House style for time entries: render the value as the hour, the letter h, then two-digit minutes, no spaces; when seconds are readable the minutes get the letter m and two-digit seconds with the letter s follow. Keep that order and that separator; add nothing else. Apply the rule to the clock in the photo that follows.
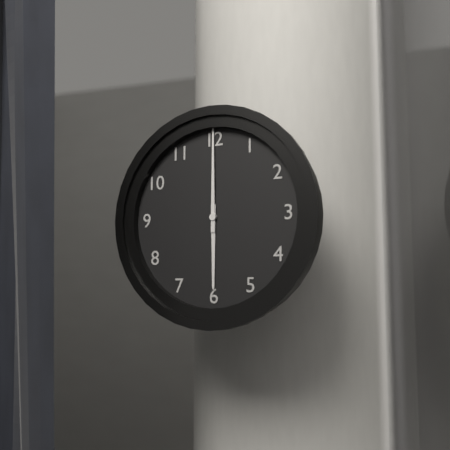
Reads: 6h00
